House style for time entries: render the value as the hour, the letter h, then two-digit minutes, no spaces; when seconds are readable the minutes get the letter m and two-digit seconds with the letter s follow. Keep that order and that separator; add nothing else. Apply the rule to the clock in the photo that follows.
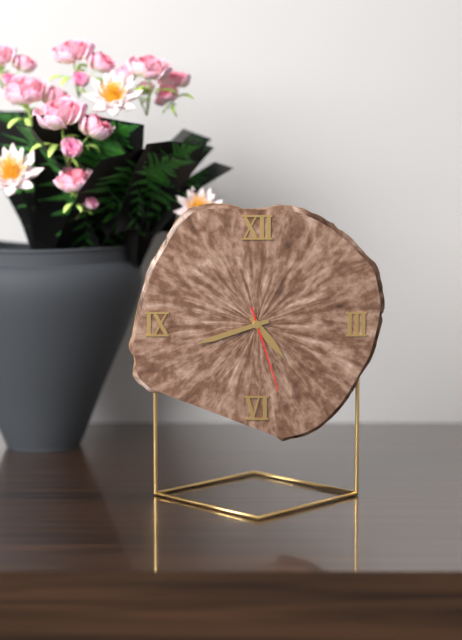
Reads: 4h42m27s
